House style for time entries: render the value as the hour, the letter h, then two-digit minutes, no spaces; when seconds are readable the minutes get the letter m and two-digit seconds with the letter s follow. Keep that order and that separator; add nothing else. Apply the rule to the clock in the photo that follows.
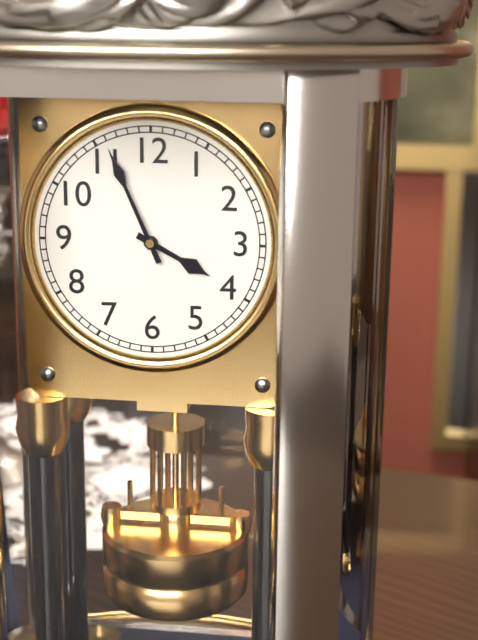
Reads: 3h56
